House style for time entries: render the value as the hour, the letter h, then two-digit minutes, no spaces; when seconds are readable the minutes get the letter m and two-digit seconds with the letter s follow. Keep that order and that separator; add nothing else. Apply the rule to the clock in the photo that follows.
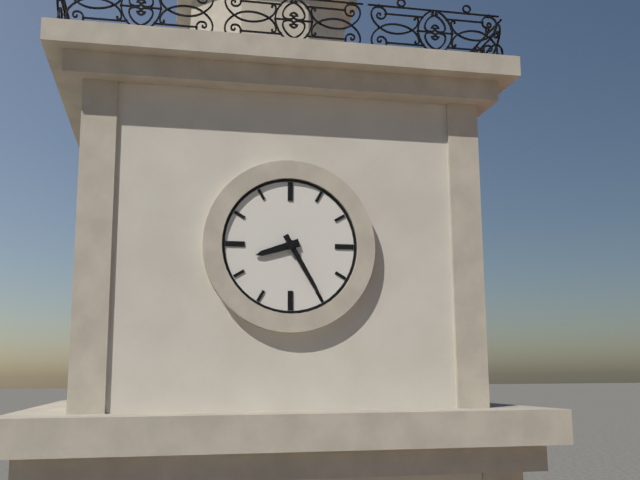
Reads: 8h25
